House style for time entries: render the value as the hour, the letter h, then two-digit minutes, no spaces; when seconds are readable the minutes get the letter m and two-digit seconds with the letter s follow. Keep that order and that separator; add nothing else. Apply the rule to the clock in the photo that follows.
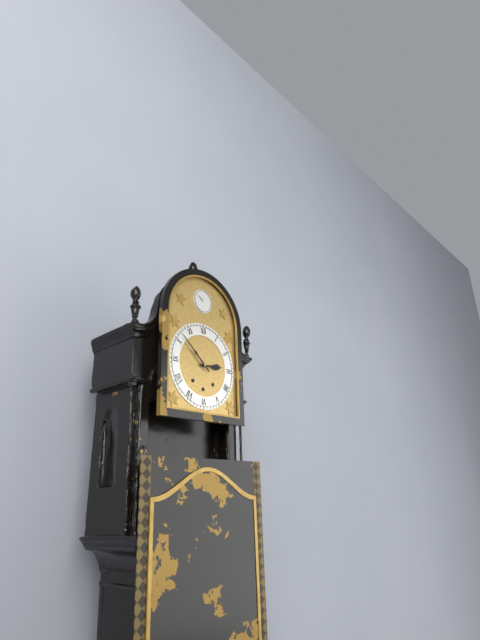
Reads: 2h52
